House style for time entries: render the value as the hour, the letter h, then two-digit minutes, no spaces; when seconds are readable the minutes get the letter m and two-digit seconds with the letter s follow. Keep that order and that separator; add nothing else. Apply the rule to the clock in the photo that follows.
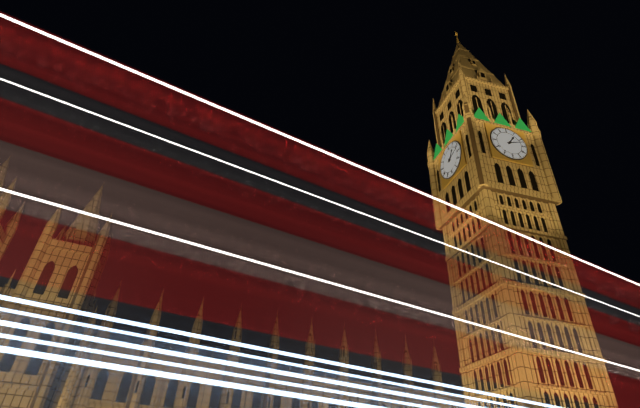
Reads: 1h12
